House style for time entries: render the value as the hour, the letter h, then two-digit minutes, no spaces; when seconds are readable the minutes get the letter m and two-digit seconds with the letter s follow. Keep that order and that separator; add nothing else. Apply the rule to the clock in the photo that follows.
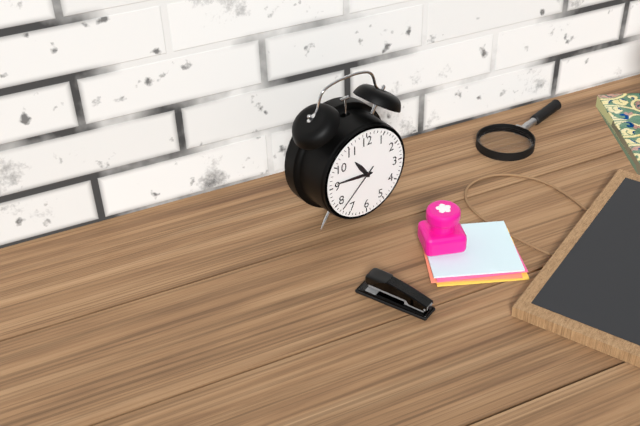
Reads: 10h46m38s
